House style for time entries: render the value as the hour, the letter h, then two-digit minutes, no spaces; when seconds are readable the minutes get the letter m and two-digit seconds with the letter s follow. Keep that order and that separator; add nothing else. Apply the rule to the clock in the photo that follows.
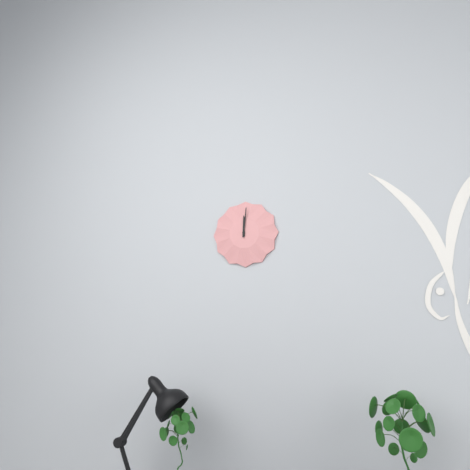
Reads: 12h01
